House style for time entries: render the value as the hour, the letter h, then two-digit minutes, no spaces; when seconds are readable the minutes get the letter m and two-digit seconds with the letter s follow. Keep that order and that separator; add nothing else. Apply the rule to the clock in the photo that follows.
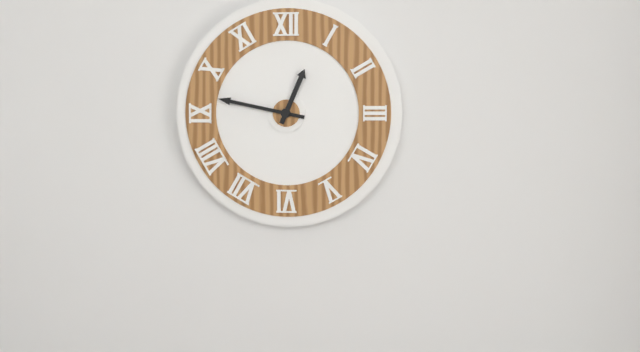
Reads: 12h47
